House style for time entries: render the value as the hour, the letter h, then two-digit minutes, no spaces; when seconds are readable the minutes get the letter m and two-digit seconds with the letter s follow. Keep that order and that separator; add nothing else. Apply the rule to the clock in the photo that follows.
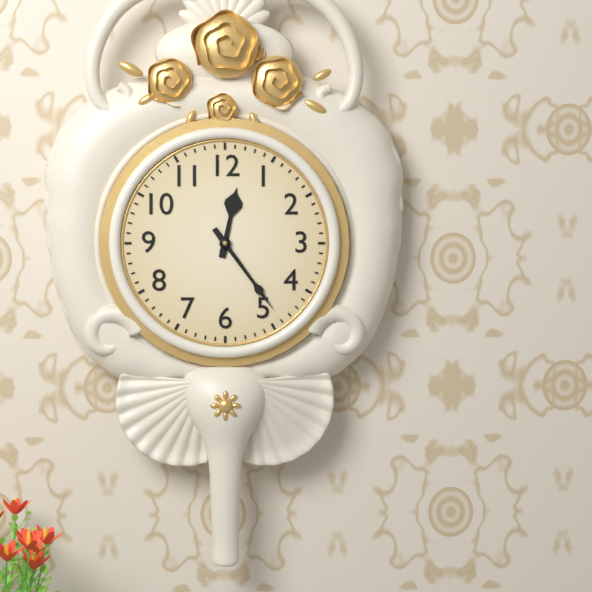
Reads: 12h24
